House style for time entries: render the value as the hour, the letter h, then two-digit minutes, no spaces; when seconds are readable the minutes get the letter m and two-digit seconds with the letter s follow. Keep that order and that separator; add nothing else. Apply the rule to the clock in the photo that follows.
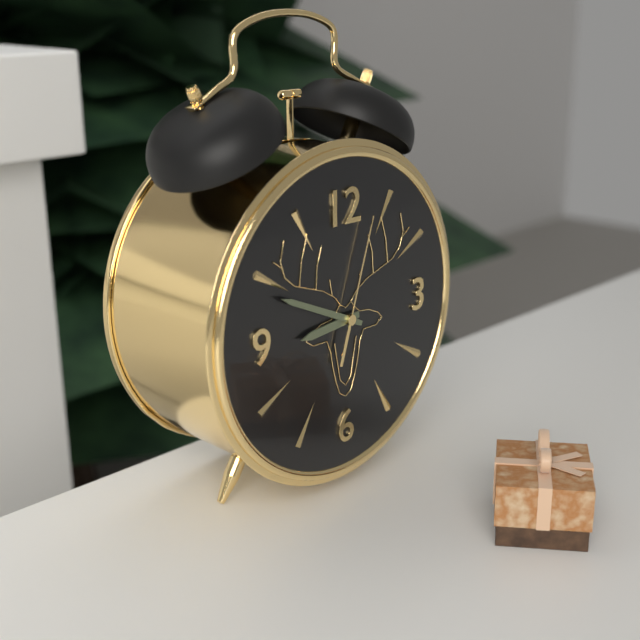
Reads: 8h49m03s
